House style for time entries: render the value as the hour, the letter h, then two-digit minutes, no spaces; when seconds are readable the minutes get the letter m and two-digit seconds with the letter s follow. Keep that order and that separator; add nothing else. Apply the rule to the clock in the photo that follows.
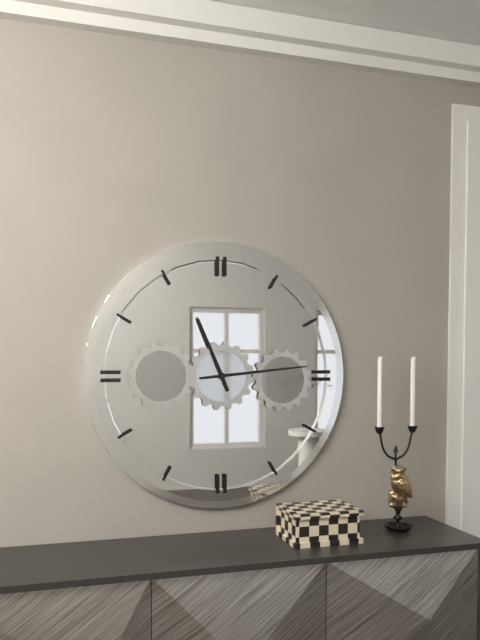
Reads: 11h14
